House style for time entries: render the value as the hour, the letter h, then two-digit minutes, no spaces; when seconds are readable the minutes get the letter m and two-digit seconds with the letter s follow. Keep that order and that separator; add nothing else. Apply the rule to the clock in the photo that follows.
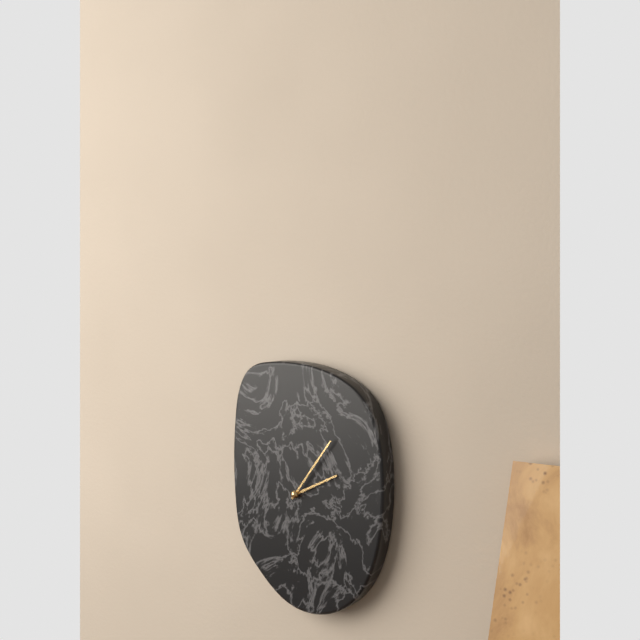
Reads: 2h06
